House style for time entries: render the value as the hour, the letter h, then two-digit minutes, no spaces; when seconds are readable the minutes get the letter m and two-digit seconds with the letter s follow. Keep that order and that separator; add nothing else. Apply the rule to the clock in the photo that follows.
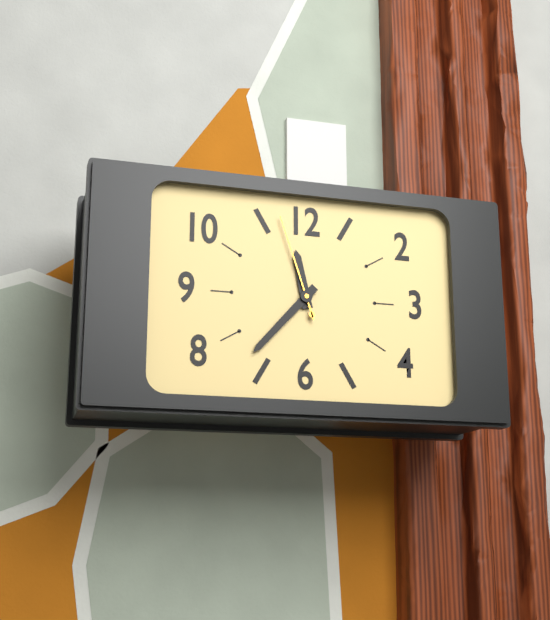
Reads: 11h37m57s
